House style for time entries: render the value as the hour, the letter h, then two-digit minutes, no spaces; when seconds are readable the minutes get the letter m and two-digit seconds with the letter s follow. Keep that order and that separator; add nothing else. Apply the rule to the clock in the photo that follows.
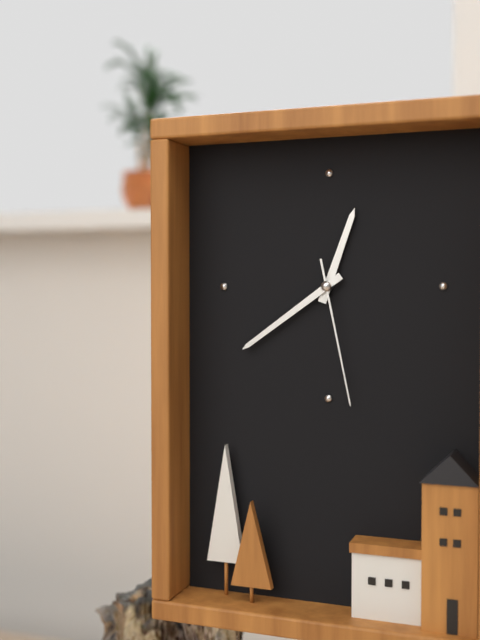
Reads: 12h39m28s
